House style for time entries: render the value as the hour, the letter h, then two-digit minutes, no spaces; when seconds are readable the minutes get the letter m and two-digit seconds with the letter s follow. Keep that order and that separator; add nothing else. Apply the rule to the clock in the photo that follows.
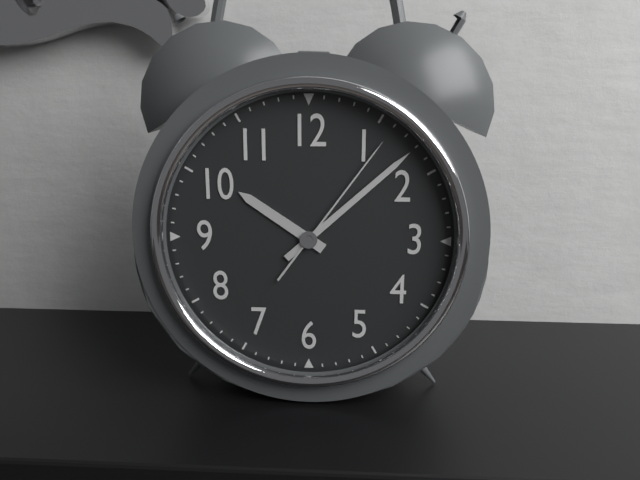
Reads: 10h08m06s
